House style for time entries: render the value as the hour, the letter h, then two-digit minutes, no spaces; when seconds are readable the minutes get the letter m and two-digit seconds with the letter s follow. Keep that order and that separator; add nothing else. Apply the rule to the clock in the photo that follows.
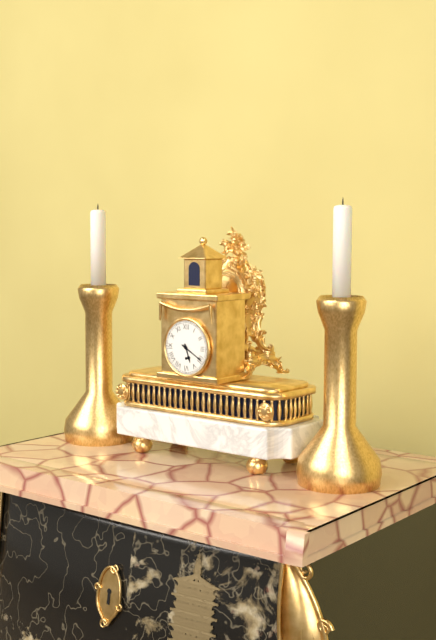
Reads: 5h20
